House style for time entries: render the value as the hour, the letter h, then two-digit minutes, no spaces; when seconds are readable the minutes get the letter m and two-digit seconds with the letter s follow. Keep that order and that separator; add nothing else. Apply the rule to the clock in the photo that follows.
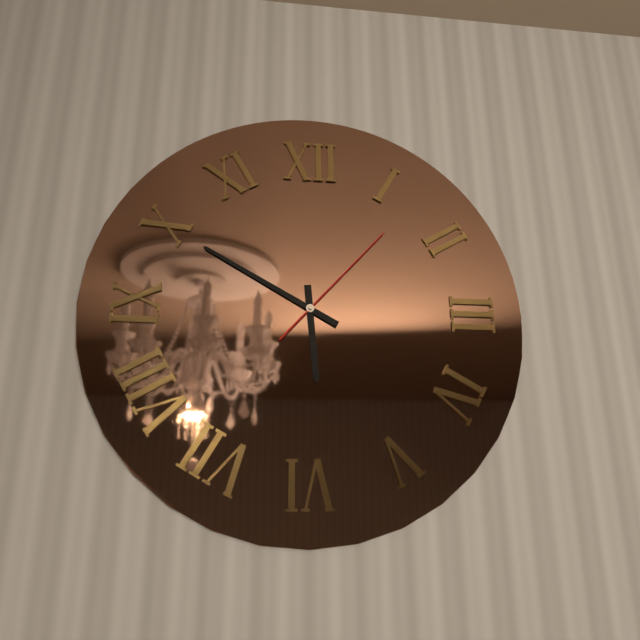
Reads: 5h50m07s
